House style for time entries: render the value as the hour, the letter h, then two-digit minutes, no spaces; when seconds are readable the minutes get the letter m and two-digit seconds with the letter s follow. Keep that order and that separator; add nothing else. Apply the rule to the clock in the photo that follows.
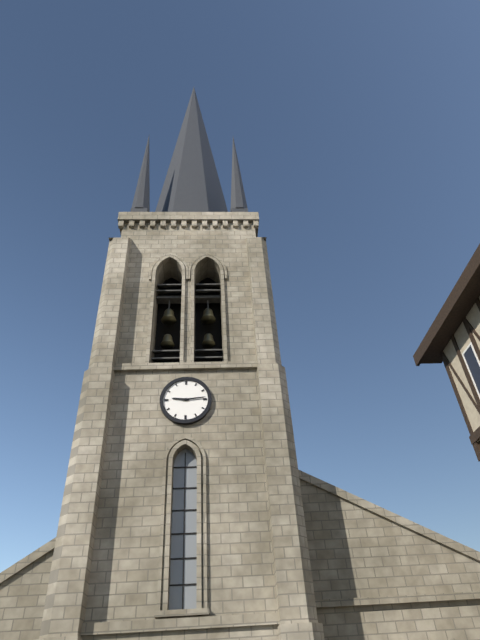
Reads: 9h14
